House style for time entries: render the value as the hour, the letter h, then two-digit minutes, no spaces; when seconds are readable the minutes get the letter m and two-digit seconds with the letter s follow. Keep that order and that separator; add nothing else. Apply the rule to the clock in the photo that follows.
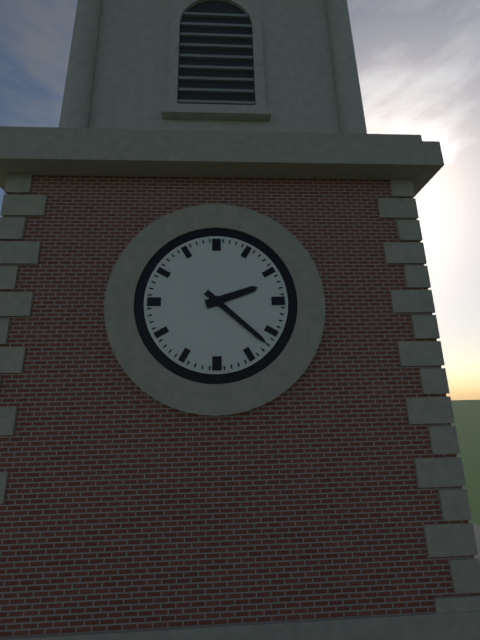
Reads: 2h22
